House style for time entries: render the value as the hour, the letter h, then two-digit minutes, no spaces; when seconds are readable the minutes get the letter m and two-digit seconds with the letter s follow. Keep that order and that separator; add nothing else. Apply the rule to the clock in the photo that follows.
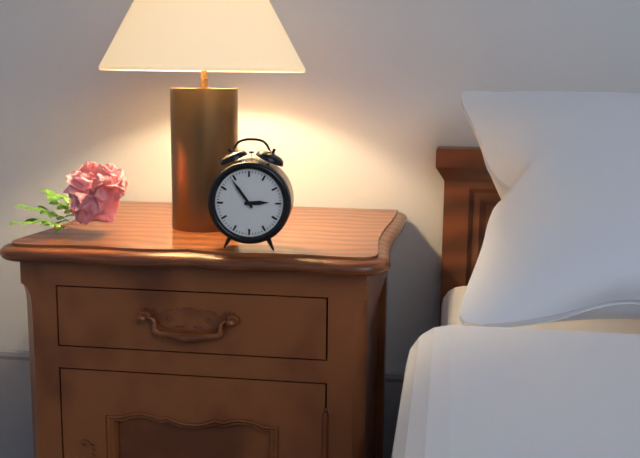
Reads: 2h54
